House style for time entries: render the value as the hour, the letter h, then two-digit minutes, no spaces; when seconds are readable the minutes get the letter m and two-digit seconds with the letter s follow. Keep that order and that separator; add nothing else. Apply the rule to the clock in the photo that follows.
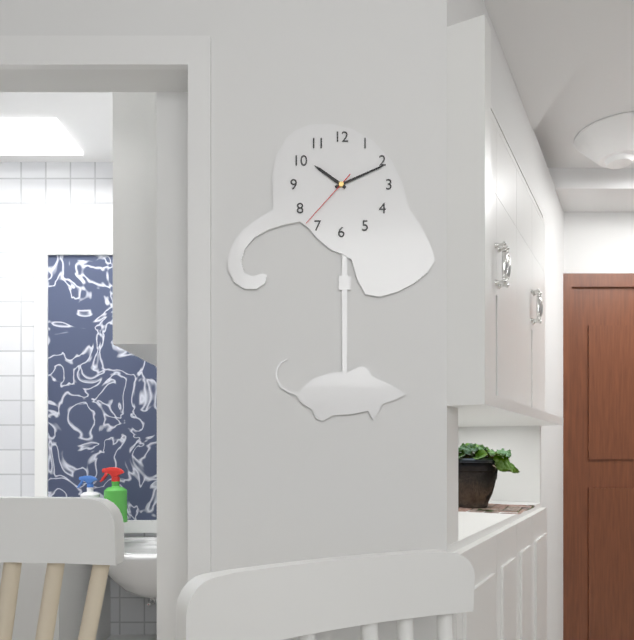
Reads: 10h11m37s
